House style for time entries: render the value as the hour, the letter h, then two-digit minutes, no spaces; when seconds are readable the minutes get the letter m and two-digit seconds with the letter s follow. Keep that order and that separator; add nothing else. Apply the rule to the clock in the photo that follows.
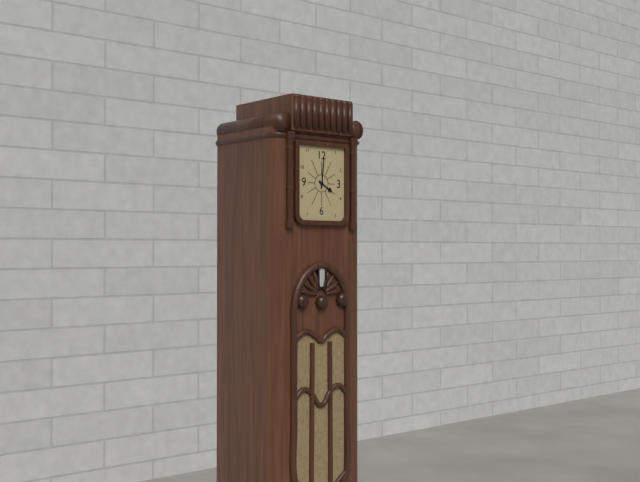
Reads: 4h01
